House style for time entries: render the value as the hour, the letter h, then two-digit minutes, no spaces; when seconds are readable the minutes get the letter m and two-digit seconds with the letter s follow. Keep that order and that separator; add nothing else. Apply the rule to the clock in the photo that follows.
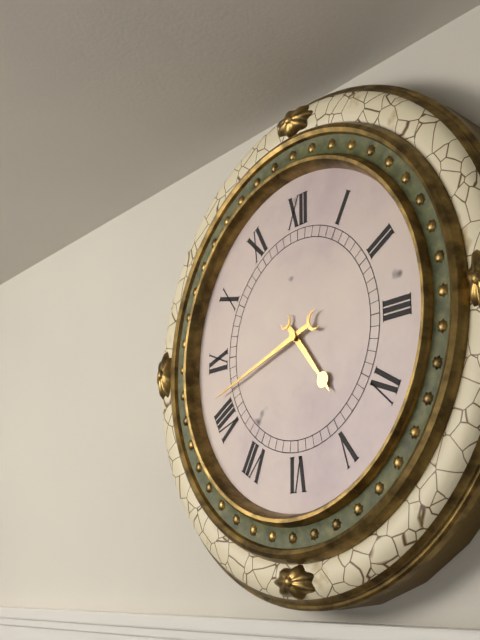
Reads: 4h42
